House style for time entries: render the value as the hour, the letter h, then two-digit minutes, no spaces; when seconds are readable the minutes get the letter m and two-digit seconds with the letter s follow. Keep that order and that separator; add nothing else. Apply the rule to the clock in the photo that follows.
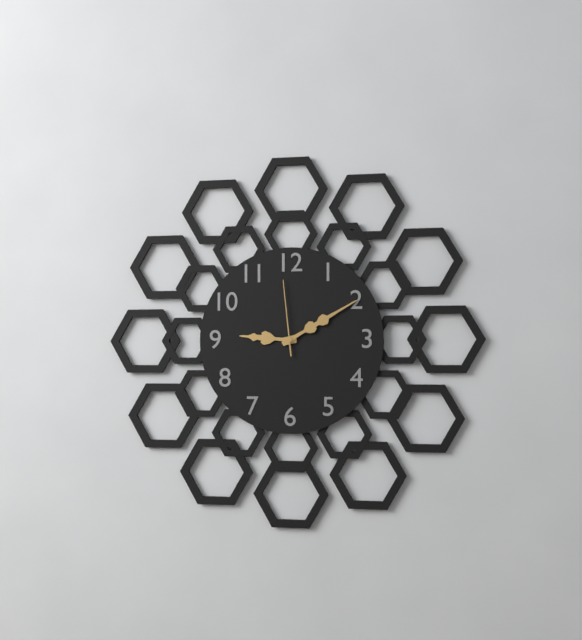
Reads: 9h10m59s
